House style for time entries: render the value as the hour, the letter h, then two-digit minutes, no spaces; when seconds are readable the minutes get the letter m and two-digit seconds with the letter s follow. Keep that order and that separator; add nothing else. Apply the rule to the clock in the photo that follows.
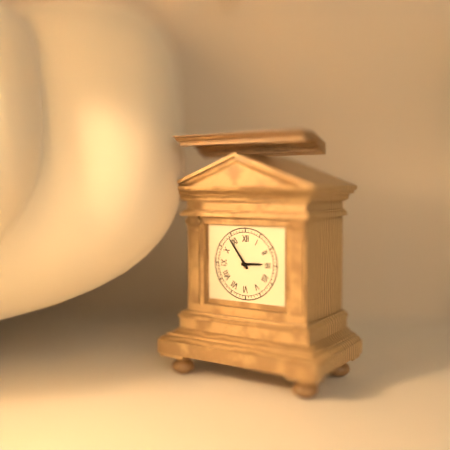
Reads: 2h54
